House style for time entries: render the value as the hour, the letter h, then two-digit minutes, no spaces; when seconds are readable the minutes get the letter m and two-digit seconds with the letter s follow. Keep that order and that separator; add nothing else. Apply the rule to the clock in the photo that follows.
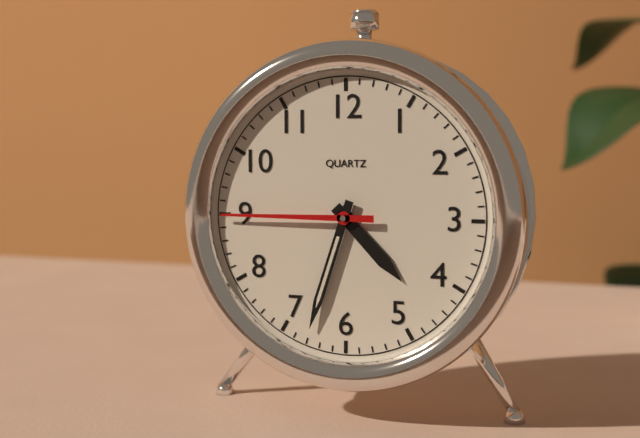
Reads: 4h33m45s
